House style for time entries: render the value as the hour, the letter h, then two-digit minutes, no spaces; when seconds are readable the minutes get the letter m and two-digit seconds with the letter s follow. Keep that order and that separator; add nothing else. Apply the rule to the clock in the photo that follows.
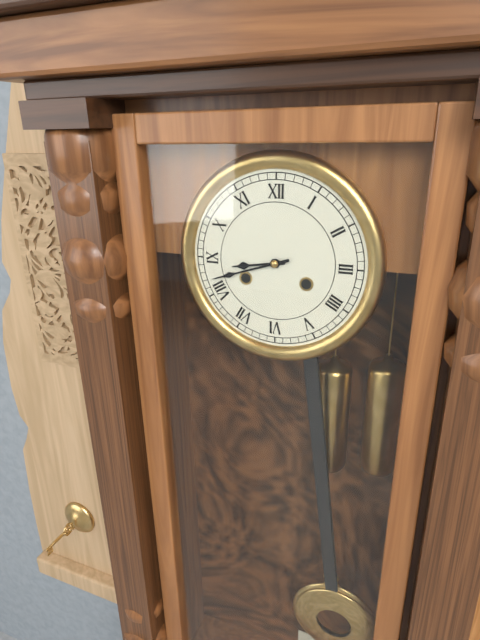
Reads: 8h42
